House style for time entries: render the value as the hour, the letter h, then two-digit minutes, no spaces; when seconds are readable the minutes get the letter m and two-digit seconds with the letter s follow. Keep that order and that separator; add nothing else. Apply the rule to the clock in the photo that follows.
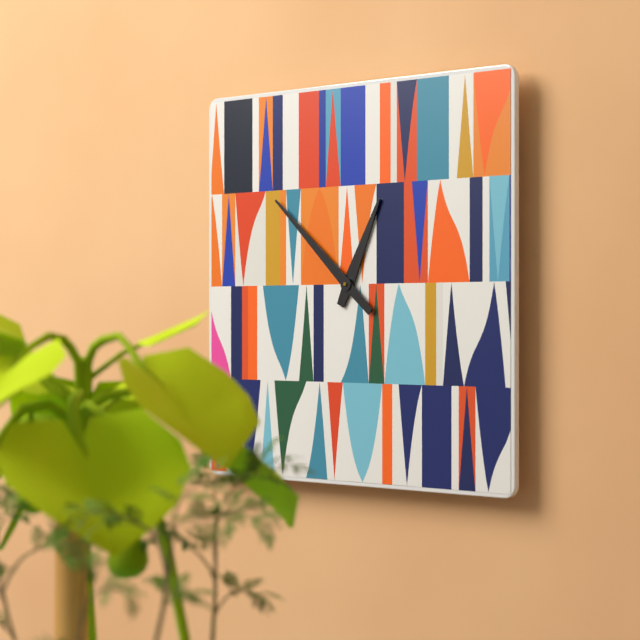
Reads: 12h52
